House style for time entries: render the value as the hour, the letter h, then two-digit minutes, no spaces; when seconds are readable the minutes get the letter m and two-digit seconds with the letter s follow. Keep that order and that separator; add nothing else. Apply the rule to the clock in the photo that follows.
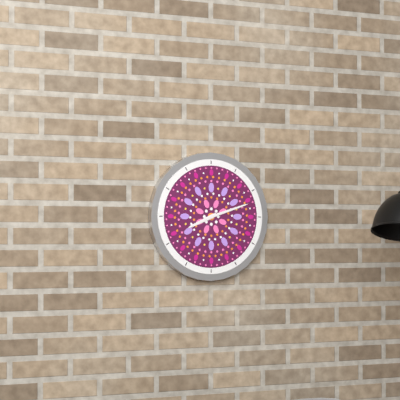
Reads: 8h12
